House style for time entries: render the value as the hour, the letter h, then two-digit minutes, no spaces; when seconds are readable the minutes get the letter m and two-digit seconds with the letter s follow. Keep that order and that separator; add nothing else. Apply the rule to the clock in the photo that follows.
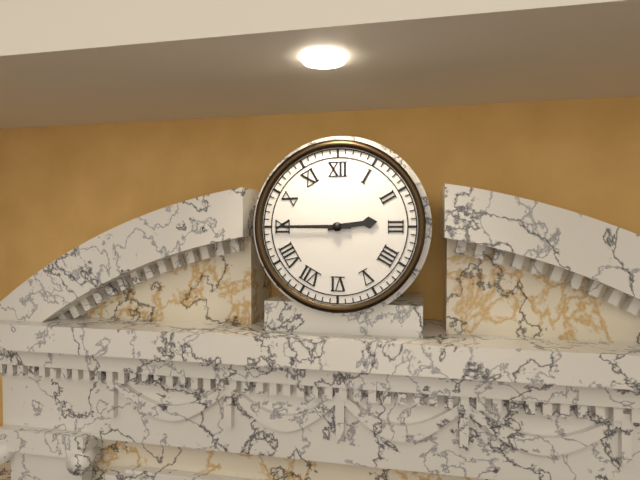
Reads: 2h45
